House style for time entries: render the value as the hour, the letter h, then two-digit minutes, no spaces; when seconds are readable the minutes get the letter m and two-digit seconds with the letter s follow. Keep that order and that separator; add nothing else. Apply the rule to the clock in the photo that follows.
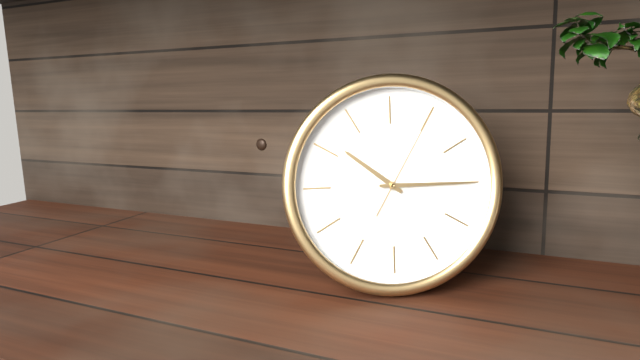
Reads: 10h15m05s
